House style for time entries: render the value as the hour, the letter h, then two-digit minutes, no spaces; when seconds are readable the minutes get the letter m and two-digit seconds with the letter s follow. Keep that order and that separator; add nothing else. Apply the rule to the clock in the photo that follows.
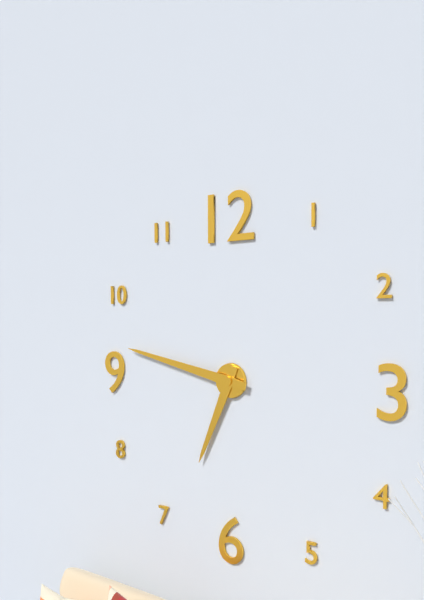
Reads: 6h47
